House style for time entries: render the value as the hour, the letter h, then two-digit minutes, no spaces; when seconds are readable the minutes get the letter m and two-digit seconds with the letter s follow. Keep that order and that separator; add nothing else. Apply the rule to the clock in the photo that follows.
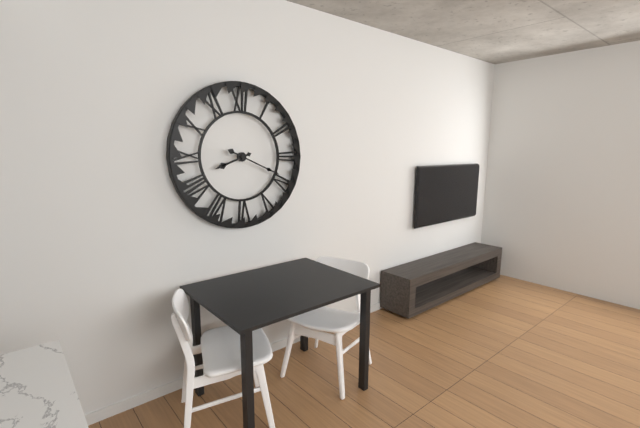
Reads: 8h19
